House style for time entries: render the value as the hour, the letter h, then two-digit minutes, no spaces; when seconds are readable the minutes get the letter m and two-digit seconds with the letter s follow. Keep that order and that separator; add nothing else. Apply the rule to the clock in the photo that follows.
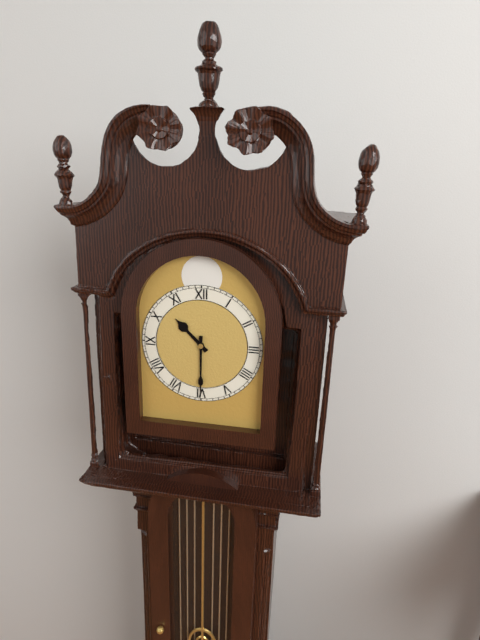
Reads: 10h30
